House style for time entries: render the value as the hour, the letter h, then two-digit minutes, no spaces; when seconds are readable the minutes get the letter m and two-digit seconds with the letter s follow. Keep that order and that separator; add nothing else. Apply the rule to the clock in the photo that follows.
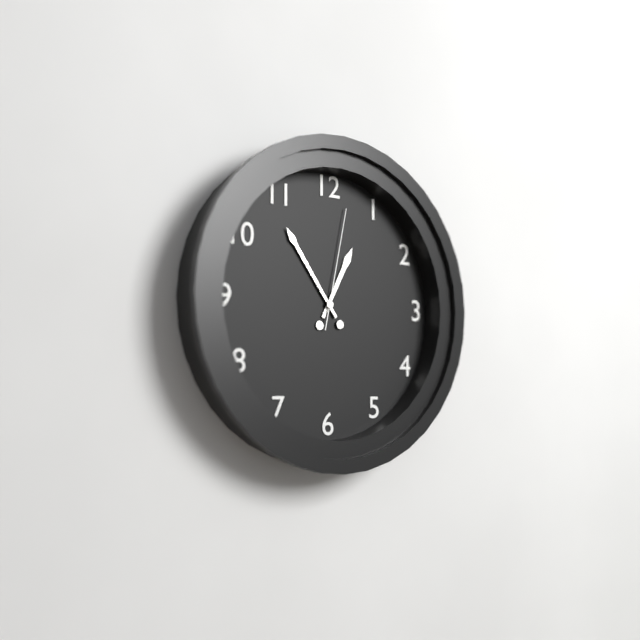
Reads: 12h54m02s
